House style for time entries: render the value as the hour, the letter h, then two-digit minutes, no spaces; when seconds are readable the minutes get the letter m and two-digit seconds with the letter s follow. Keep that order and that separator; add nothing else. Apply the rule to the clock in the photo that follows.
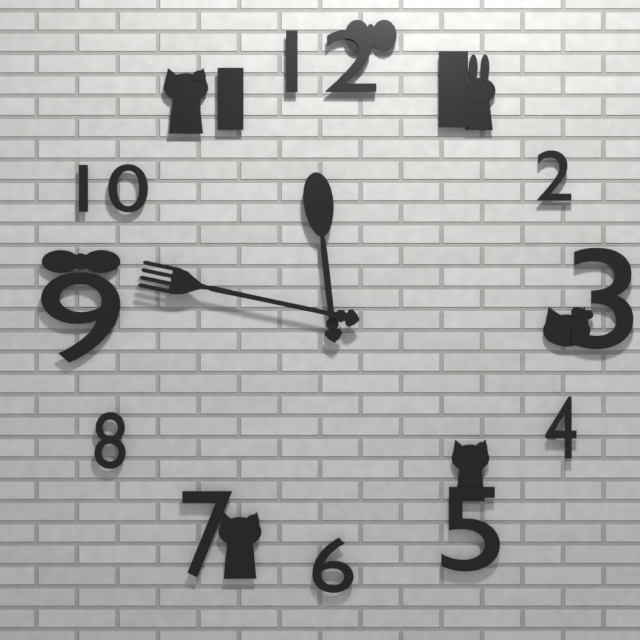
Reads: 11h47
